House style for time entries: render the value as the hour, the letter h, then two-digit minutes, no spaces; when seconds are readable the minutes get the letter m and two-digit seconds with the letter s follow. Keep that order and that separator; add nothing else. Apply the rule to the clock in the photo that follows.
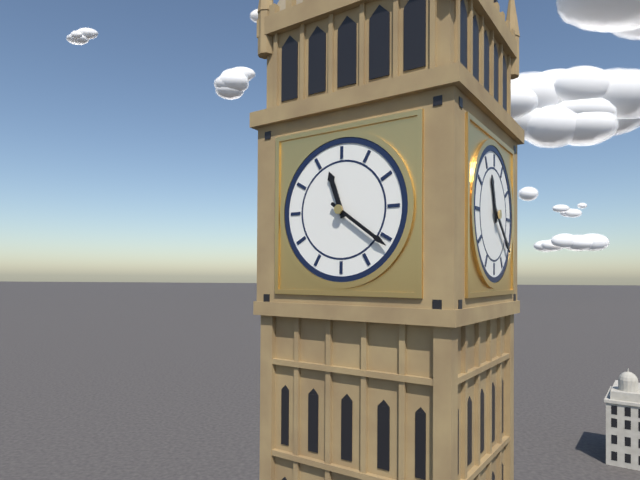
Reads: 11h21
